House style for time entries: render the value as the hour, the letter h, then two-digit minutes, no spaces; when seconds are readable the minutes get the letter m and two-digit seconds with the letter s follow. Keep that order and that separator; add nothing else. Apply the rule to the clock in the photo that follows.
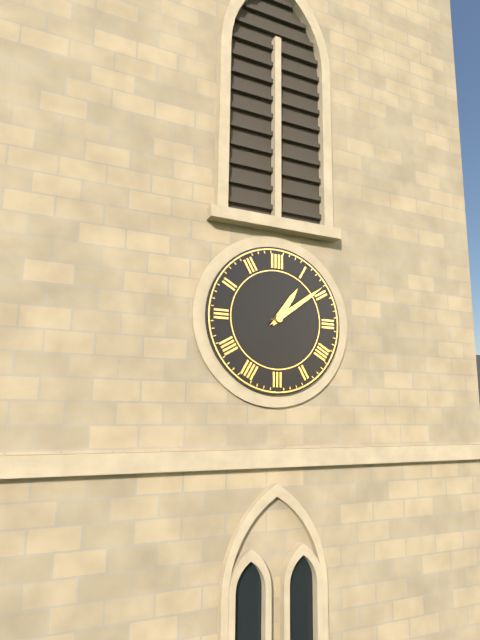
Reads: 1h09
